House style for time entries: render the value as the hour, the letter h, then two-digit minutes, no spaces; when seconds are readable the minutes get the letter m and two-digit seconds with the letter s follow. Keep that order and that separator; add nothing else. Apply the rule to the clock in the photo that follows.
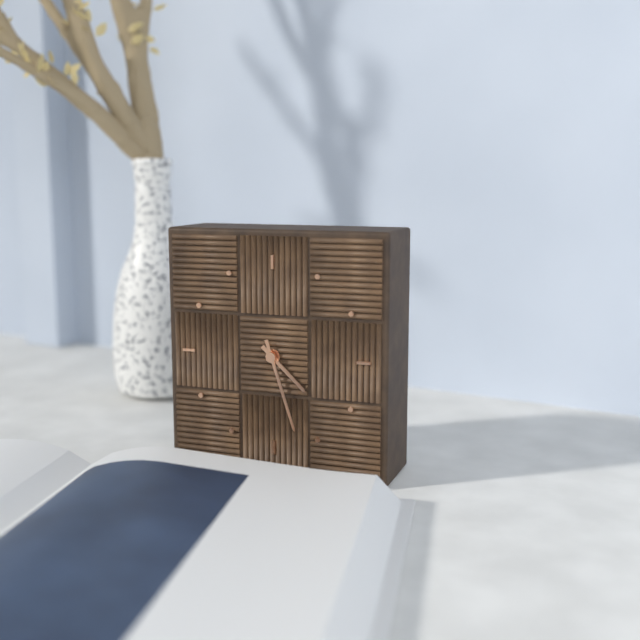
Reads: 4h27
